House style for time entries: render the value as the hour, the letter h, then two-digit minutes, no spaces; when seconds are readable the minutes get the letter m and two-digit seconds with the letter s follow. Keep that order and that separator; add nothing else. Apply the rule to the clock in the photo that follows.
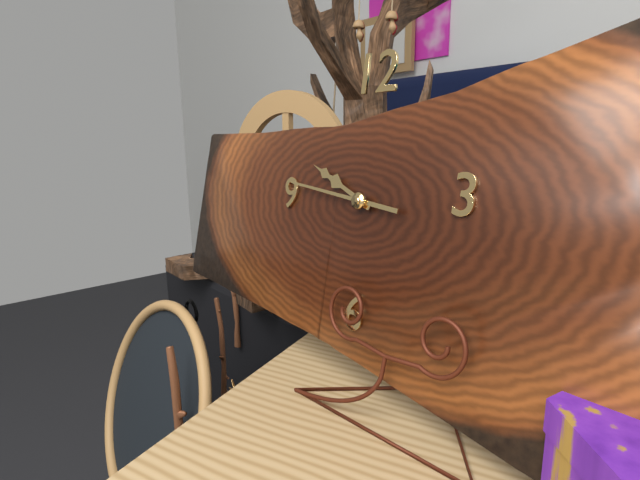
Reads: 9h46
